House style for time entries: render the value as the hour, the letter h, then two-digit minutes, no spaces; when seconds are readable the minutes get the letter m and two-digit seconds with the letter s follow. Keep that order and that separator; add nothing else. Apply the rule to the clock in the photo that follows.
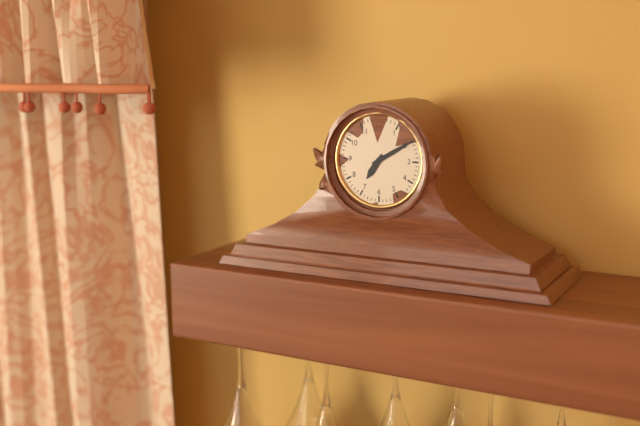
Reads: 7h10
